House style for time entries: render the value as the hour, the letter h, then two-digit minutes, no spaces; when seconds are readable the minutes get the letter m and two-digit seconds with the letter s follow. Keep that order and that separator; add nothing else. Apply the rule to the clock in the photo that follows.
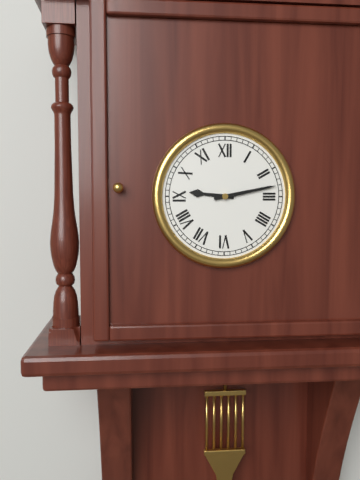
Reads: 9h13
